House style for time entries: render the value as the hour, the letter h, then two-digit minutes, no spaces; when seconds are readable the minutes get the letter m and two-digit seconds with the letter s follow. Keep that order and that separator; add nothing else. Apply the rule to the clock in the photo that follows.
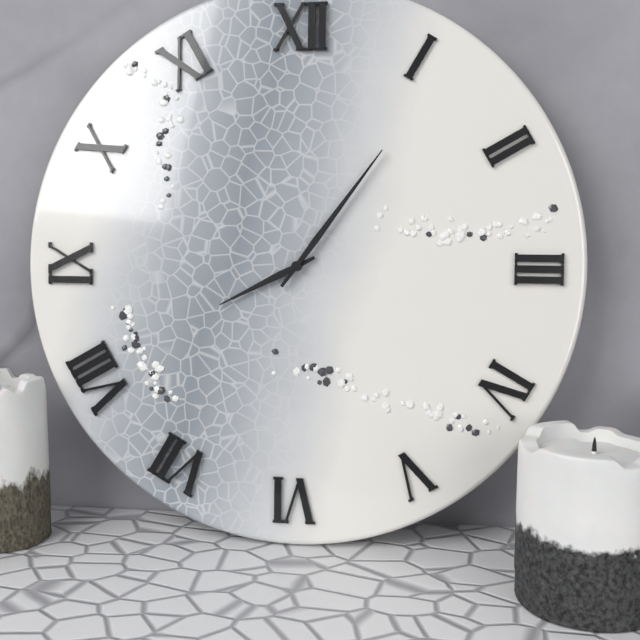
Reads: 8h06
